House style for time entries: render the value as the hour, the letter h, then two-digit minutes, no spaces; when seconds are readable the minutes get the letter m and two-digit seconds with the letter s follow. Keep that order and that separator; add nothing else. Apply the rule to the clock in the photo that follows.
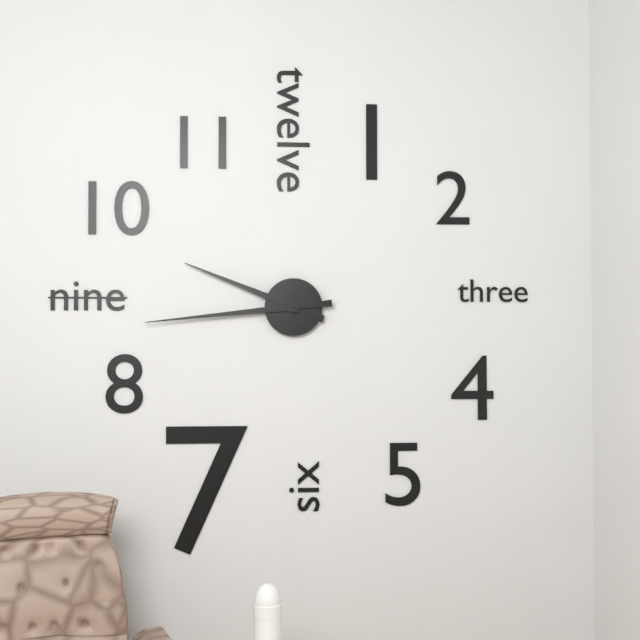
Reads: 9h44
